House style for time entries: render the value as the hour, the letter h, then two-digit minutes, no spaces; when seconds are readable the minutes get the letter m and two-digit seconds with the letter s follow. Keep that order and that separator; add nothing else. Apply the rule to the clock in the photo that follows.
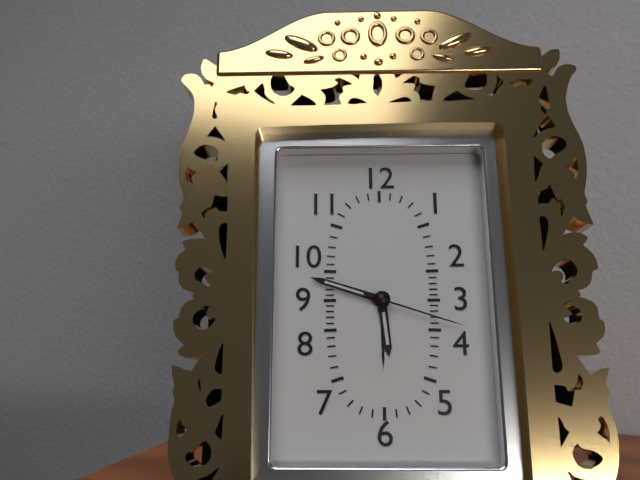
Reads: 5h48m18s
